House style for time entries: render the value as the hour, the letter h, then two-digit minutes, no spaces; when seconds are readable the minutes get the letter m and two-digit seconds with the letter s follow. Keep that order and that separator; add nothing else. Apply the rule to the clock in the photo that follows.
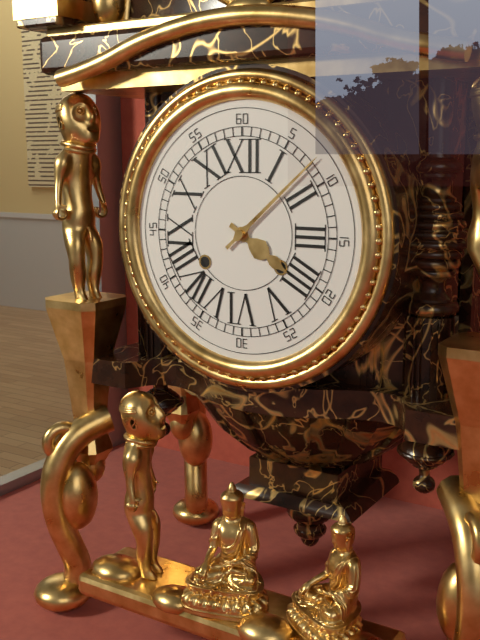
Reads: 4h08
